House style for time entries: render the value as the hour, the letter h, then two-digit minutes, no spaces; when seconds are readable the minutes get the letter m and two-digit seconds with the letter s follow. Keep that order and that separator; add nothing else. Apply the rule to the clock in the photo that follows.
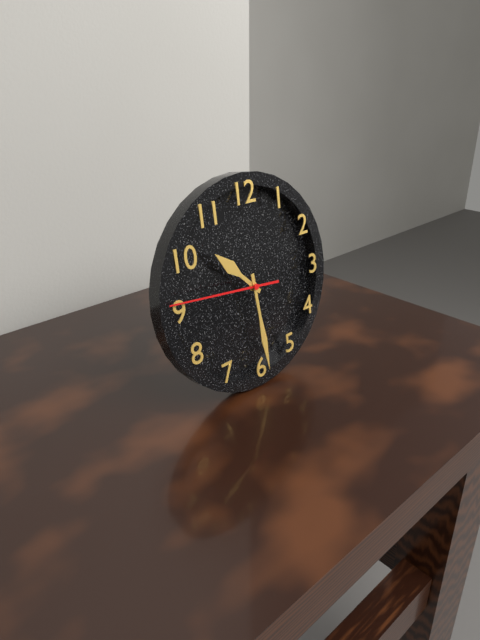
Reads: 10h29m46s
